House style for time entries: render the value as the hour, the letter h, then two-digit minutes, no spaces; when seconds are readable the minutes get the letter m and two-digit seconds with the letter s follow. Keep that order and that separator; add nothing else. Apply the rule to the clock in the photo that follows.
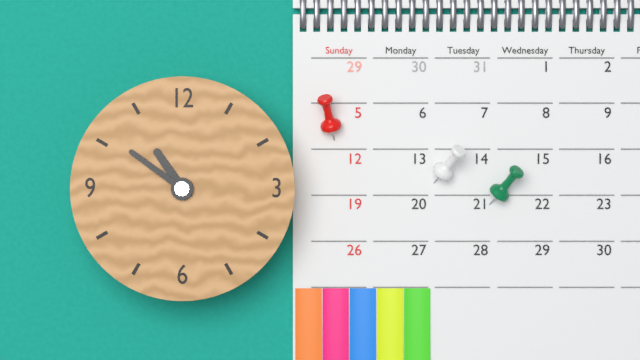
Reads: 10h51
